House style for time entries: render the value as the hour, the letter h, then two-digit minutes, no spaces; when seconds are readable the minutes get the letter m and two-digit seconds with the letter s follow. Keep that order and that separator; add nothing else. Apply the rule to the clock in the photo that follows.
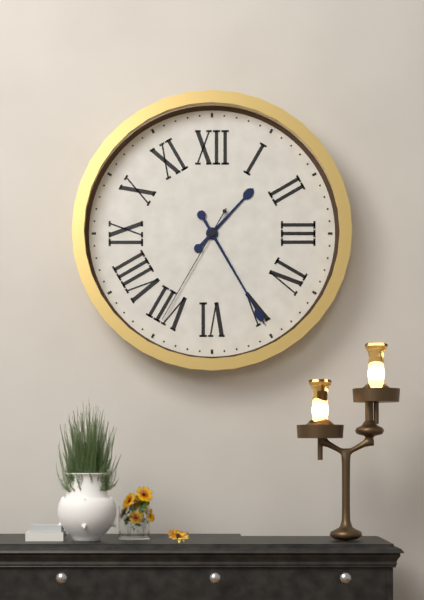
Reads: 1h25m35s
